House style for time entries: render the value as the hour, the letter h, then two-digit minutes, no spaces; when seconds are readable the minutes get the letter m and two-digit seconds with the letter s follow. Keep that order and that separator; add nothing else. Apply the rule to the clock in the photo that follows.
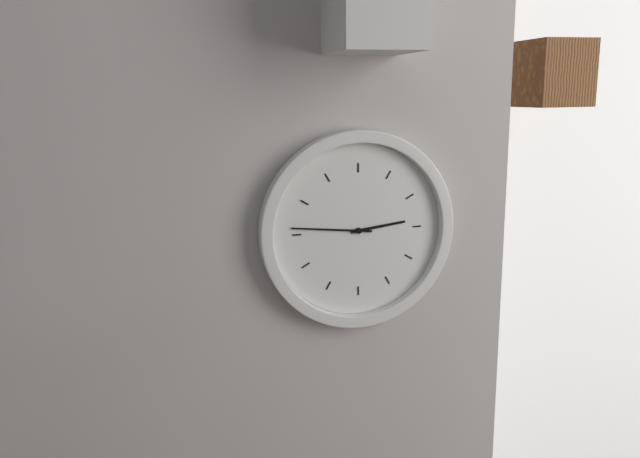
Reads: 2h46
